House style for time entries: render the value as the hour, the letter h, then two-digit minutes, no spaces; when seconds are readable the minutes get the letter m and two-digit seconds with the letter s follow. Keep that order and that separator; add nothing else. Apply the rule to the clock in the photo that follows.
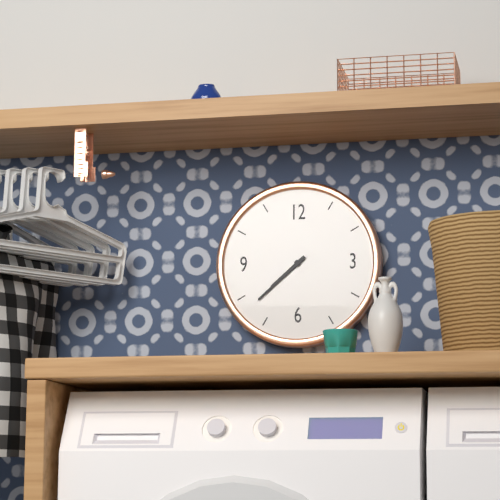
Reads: 7h38
